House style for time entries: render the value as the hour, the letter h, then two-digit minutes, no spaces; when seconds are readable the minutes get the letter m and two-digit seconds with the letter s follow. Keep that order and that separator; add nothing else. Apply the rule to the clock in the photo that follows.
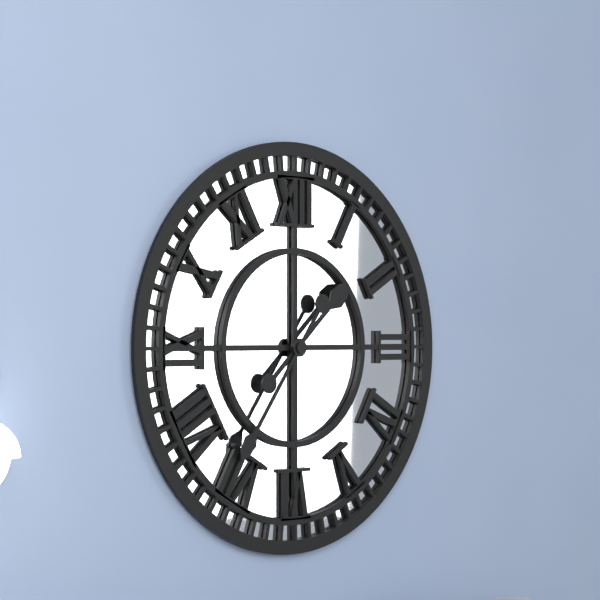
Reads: 1h36
